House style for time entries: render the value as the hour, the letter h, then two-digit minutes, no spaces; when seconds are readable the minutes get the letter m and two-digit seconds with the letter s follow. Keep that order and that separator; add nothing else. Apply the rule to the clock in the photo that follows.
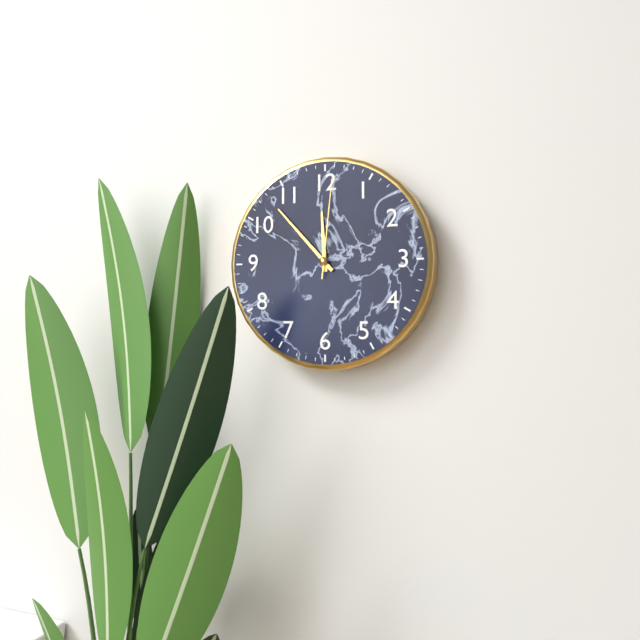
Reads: 11h53m01s
